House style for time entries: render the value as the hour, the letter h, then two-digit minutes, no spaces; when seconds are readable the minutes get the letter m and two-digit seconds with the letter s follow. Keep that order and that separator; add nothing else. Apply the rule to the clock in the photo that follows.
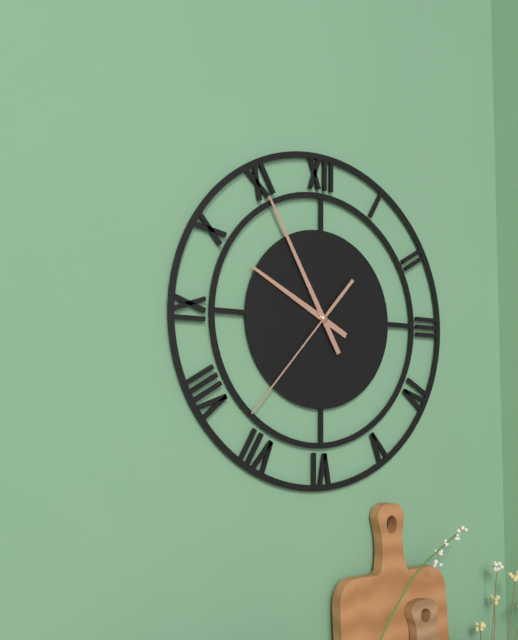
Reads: 9h55m37s
